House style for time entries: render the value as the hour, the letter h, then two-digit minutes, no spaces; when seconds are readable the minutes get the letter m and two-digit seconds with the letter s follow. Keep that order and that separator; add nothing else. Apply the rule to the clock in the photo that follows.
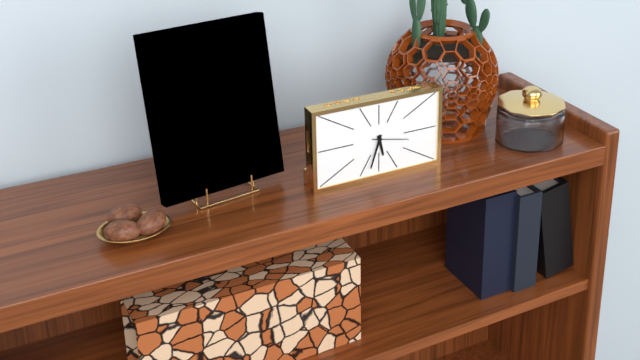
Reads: 5h33
